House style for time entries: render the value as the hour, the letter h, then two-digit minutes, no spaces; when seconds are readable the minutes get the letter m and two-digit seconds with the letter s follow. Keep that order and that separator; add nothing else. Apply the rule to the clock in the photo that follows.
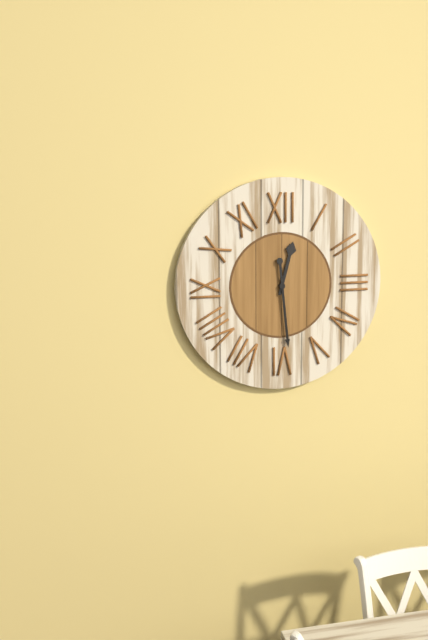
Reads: 12h29
